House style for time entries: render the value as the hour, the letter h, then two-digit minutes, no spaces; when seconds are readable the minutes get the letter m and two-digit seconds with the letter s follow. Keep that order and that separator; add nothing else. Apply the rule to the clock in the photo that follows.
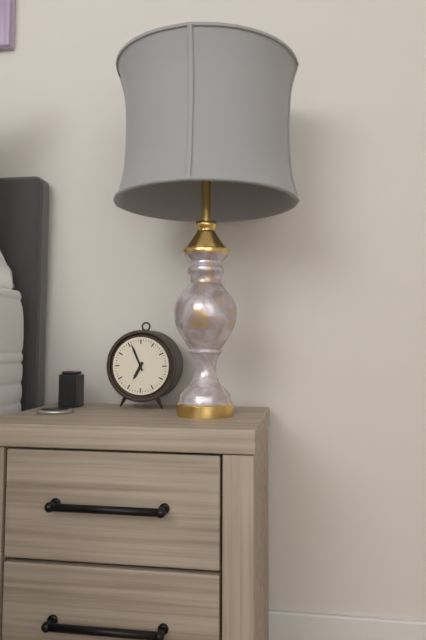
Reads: 6h56
